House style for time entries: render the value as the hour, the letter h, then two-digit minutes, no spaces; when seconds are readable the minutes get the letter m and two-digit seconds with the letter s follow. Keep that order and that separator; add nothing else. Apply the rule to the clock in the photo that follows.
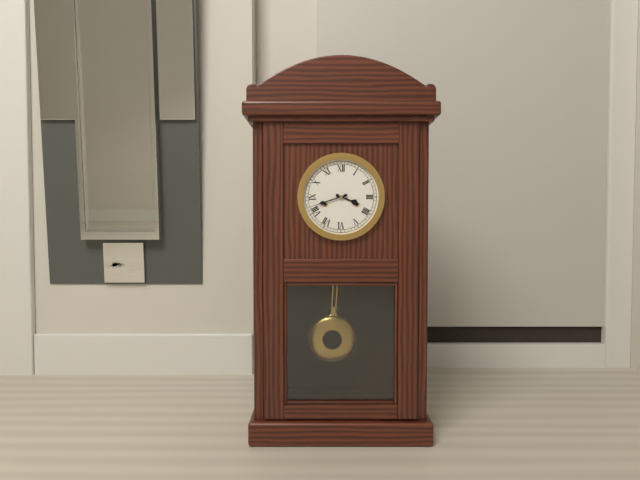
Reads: 3h42
